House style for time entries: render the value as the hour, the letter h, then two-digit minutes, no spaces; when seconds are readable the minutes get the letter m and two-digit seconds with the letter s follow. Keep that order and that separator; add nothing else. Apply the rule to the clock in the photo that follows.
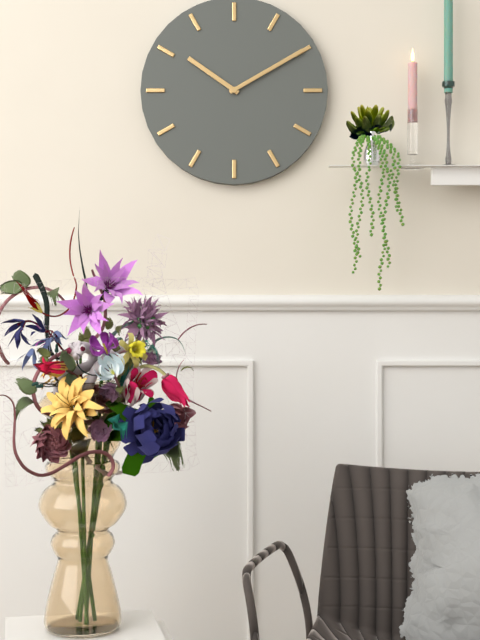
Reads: 10h10
